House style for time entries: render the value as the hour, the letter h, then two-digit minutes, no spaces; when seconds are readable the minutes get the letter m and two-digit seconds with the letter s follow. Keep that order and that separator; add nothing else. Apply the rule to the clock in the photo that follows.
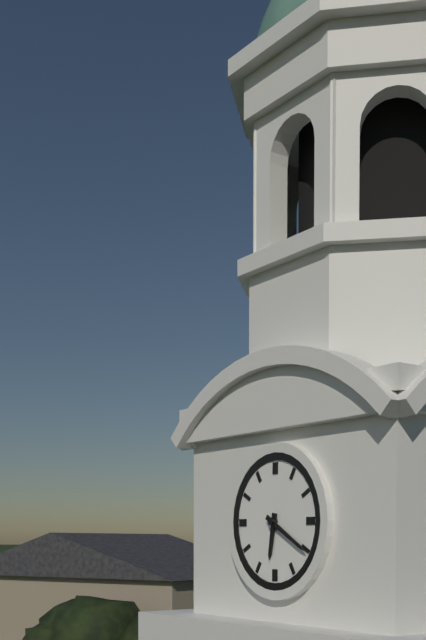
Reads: 6h20
